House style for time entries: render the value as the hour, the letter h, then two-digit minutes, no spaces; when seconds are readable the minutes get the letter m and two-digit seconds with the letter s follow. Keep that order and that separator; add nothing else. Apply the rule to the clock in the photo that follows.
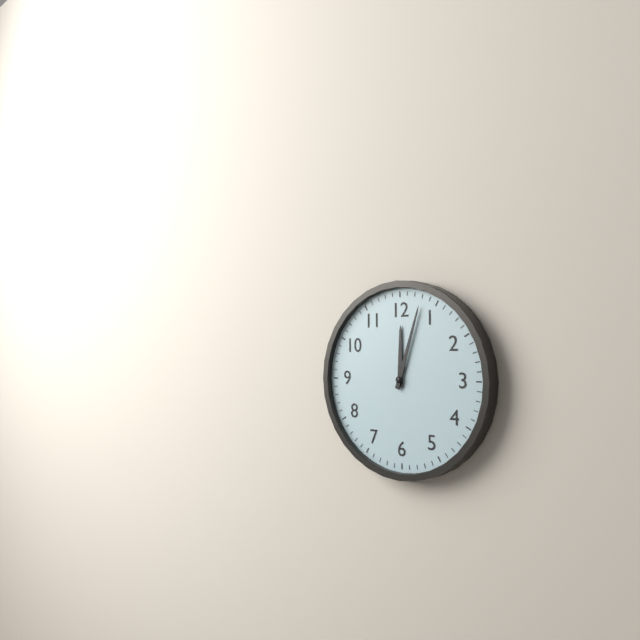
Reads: 12h03
